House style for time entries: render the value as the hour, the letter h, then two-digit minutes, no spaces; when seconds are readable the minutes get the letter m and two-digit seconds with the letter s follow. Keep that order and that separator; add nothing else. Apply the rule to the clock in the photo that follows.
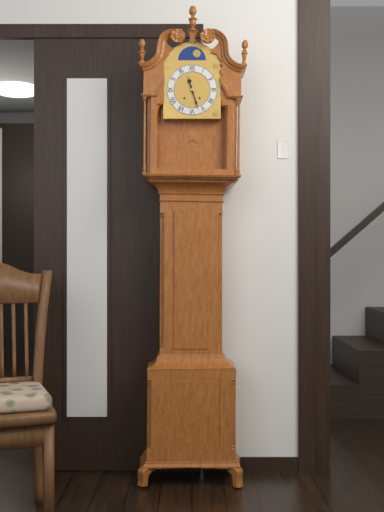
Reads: 11h27
